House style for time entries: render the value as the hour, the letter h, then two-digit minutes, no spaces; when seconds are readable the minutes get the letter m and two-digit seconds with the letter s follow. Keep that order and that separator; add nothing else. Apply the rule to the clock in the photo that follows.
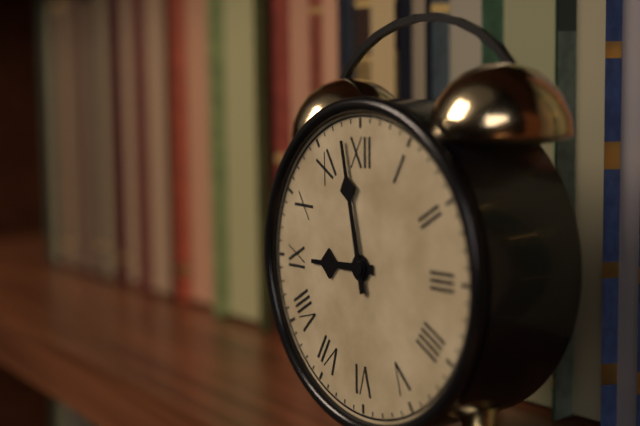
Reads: 8h58
